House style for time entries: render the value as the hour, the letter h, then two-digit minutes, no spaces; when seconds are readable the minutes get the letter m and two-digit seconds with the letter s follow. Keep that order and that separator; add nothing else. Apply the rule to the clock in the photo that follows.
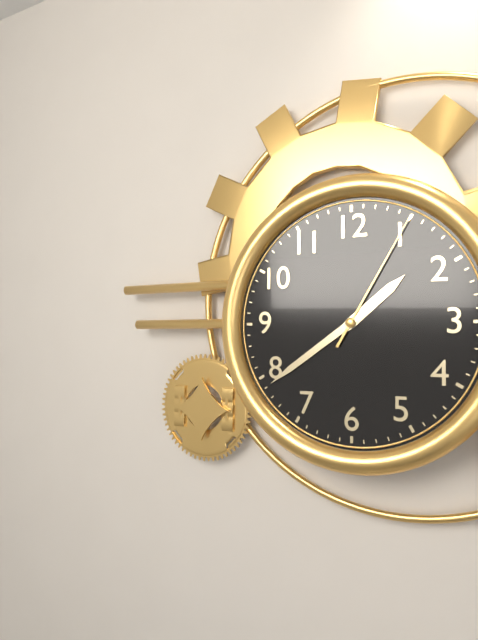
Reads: 1h39m05s
